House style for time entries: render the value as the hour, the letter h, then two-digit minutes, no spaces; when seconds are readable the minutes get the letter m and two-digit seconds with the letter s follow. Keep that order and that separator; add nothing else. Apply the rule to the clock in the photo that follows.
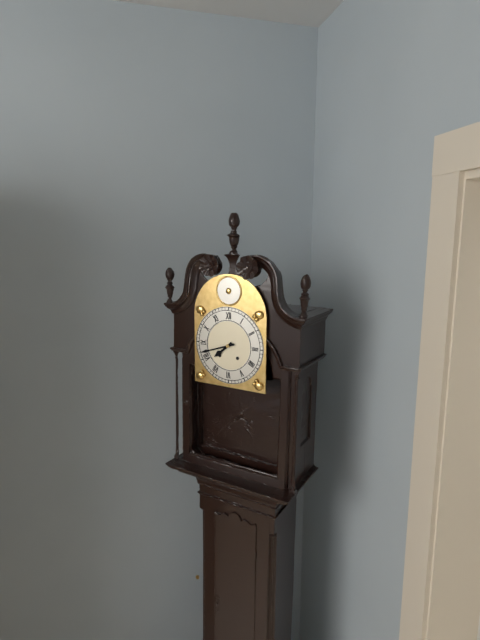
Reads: 7h42
